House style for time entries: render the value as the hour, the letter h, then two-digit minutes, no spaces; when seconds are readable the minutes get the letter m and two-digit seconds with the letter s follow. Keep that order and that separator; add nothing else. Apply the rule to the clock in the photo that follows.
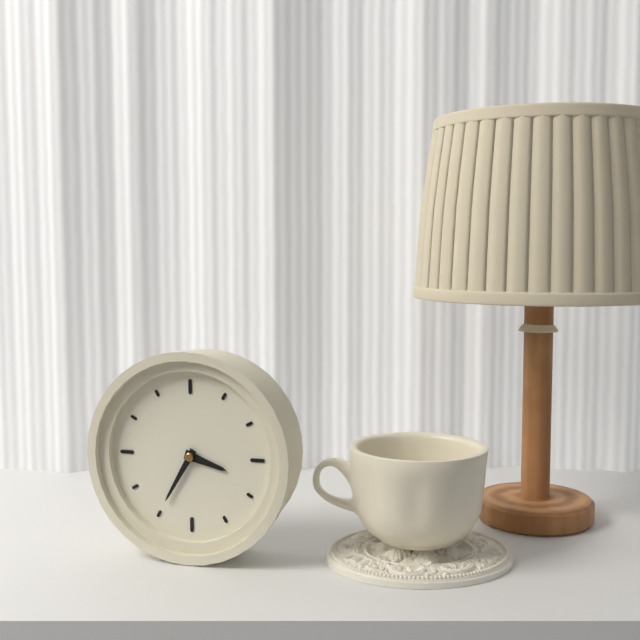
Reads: 3h35
